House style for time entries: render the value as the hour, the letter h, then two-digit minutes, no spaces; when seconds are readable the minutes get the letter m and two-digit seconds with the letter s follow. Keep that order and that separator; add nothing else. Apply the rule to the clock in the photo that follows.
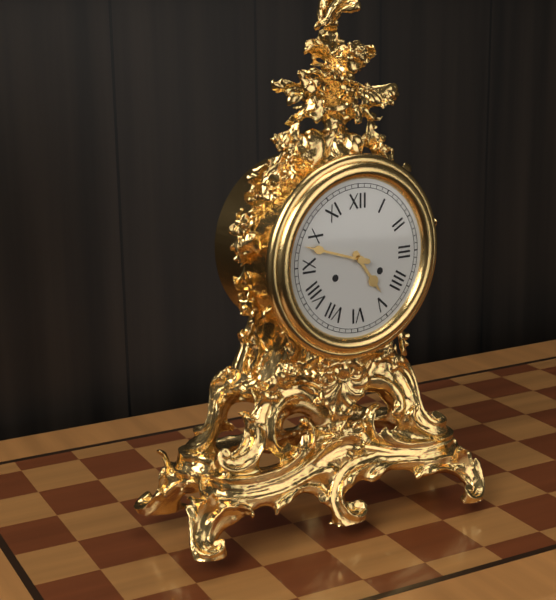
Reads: 4h48
